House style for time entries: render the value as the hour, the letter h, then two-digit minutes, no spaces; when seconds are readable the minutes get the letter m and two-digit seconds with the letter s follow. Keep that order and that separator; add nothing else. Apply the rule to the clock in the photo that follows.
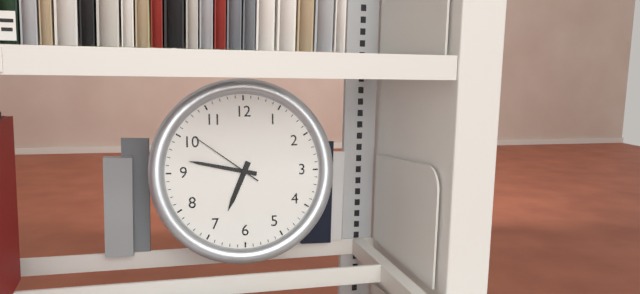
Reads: 6h47m51s
